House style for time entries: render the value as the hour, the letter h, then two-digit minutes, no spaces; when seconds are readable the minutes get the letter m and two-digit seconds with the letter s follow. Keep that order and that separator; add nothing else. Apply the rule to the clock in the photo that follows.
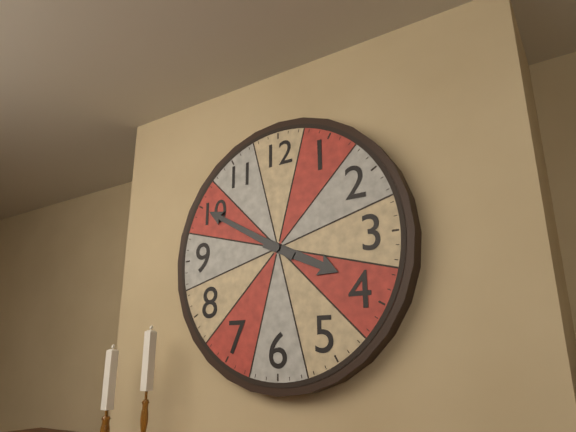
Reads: 3h50
